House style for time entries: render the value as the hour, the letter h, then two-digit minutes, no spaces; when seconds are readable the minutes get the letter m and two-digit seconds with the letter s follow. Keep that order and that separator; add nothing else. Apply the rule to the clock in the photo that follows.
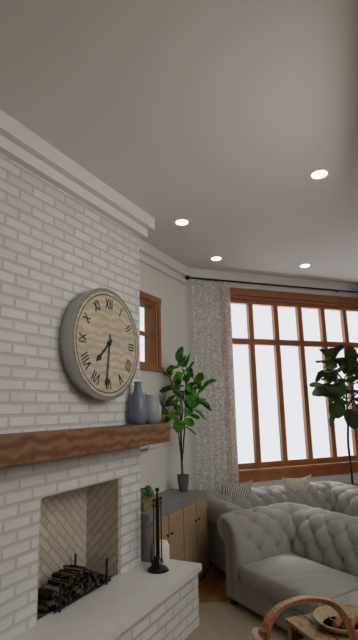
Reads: 7h31
